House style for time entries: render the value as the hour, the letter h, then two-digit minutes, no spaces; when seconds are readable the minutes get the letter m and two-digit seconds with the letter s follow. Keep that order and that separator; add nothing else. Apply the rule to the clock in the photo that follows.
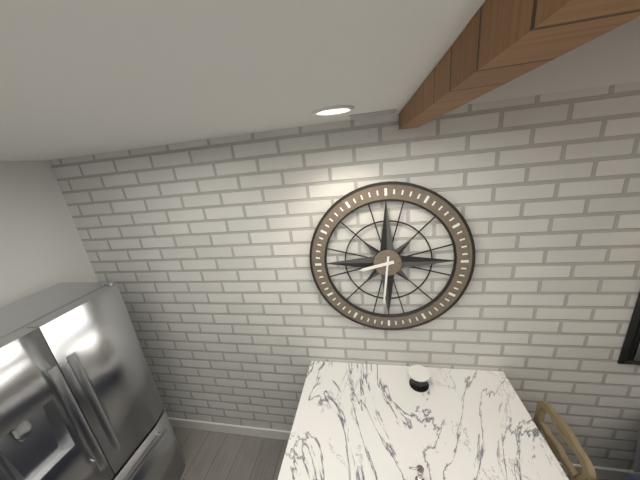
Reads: 8h31
